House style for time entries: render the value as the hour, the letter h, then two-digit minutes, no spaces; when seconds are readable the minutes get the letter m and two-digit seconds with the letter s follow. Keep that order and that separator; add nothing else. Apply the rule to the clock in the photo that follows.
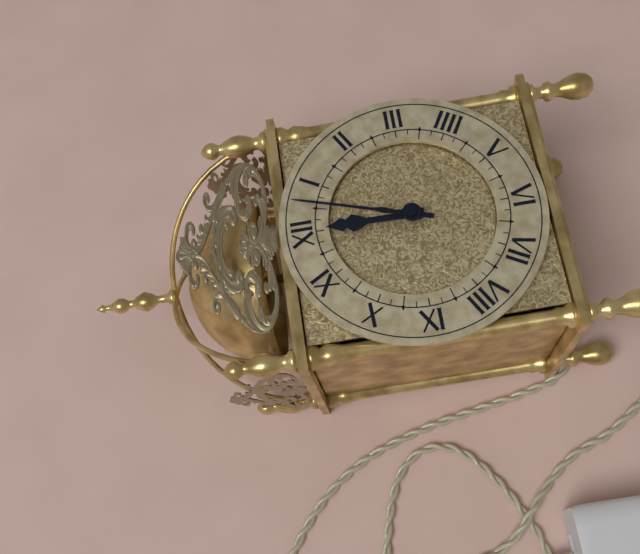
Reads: 12h03
